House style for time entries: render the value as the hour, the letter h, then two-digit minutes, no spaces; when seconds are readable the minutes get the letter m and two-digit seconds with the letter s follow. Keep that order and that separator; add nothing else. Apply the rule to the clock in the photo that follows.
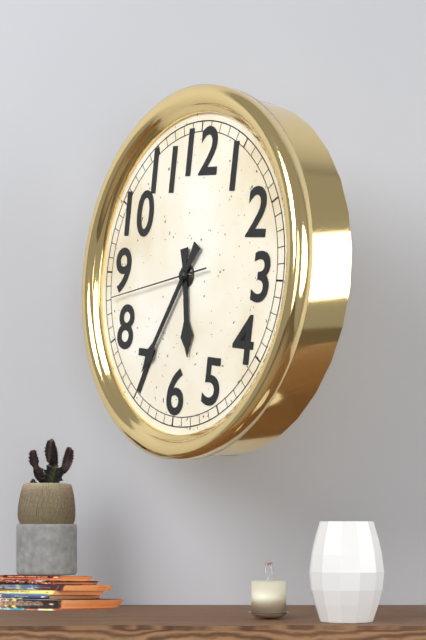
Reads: 5h35m43s
